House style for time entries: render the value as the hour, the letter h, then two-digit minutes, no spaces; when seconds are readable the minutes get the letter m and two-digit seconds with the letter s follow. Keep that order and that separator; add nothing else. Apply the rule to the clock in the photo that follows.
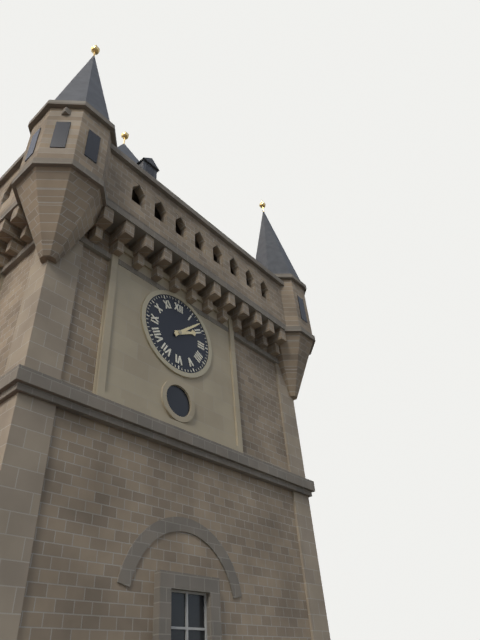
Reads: 2h08
